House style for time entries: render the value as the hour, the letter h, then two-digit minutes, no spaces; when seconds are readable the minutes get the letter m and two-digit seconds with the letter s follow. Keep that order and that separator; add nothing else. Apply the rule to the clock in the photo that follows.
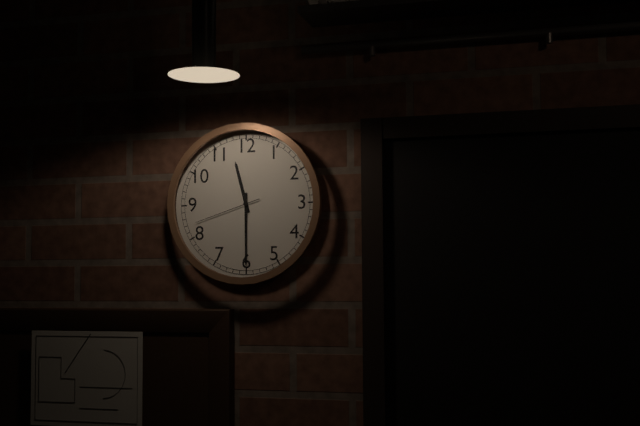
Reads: 11h30m42s
